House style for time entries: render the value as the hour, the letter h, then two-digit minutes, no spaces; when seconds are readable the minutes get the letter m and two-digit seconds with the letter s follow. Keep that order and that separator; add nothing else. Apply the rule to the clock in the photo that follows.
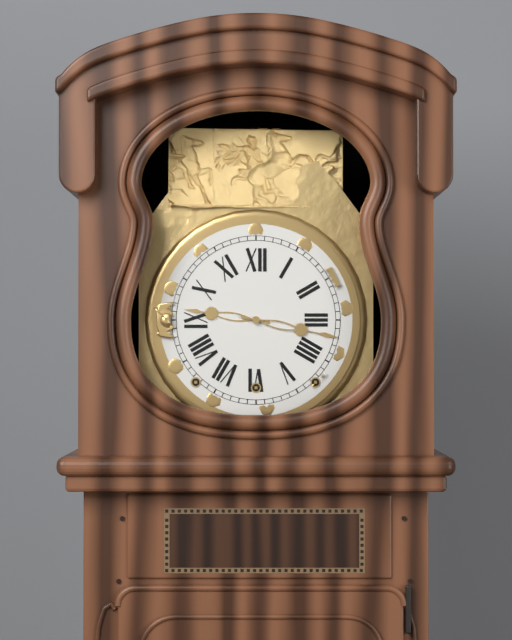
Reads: 9h17
